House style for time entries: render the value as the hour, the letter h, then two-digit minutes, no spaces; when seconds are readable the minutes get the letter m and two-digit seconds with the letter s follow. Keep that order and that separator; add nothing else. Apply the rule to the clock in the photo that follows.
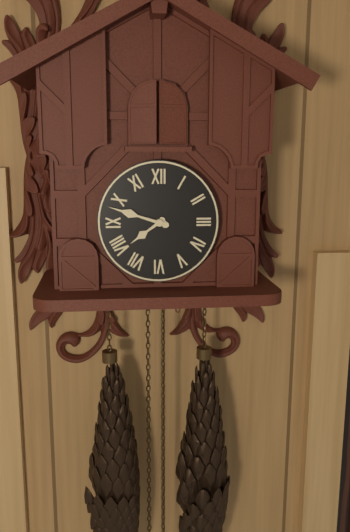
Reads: 7h48
